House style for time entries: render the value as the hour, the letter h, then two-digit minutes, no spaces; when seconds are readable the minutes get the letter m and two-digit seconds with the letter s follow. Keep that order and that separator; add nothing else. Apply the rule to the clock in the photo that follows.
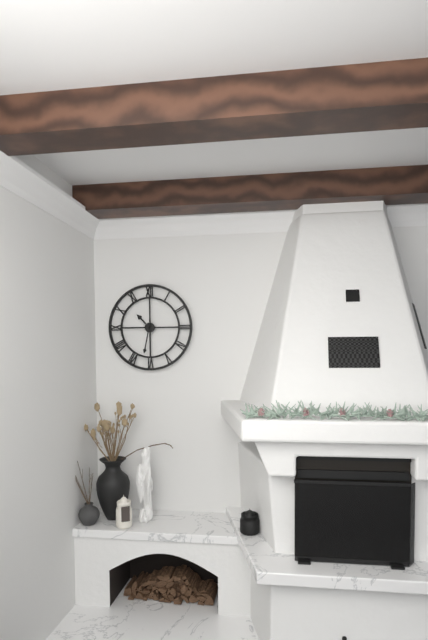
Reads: 10h32
